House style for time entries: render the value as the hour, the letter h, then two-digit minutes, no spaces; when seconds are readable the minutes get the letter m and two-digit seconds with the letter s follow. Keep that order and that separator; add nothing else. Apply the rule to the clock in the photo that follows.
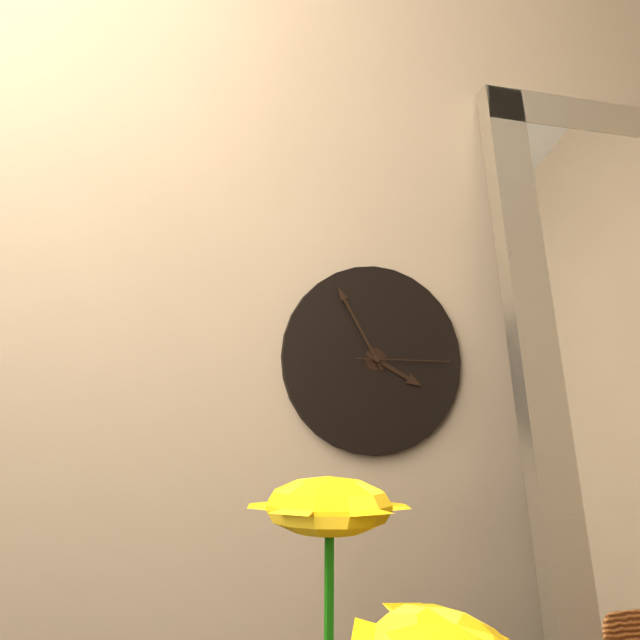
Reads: 3h55m15s
